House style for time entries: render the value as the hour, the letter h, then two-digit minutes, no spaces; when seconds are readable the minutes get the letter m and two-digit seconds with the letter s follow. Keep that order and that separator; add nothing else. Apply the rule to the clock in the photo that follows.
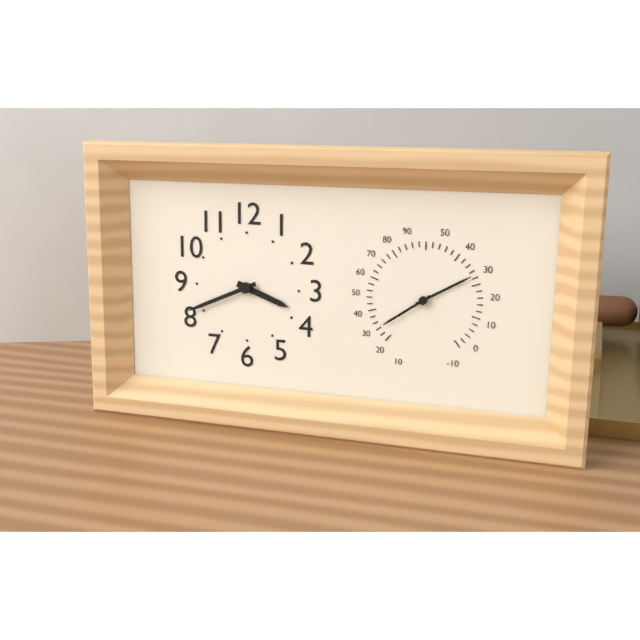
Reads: 3h41
